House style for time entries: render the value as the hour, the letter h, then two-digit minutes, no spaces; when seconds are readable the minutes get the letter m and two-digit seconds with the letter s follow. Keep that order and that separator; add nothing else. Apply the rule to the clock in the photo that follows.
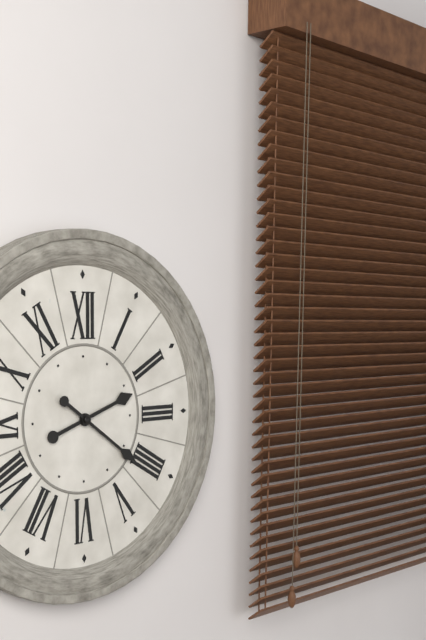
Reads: 2h21
